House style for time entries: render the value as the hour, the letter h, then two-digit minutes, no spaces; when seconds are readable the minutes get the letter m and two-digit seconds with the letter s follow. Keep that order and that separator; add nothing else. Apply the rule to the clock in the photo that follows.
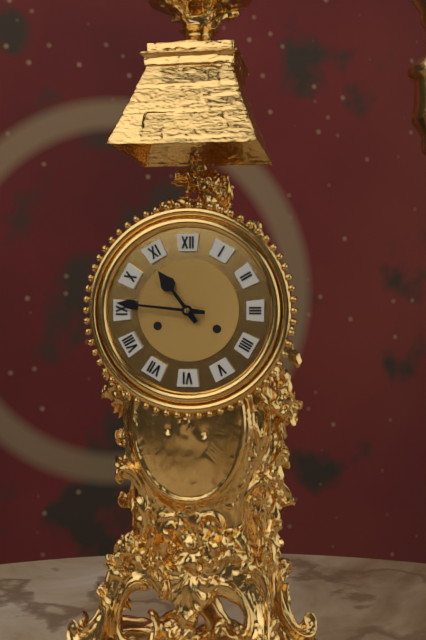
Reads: 10h46
